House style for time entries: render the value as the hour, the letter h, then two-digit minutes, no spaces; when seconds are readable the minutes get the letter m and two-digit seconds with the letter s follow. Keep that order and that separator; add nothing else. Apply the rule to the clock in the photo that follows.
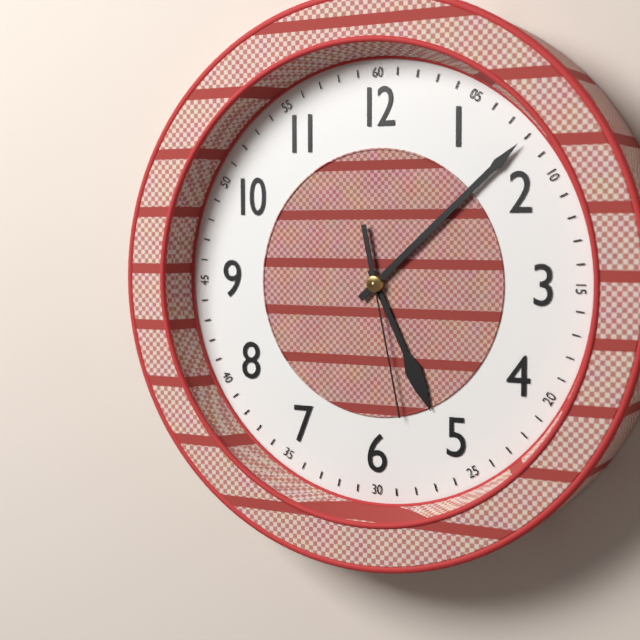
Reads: 5h08m28s
